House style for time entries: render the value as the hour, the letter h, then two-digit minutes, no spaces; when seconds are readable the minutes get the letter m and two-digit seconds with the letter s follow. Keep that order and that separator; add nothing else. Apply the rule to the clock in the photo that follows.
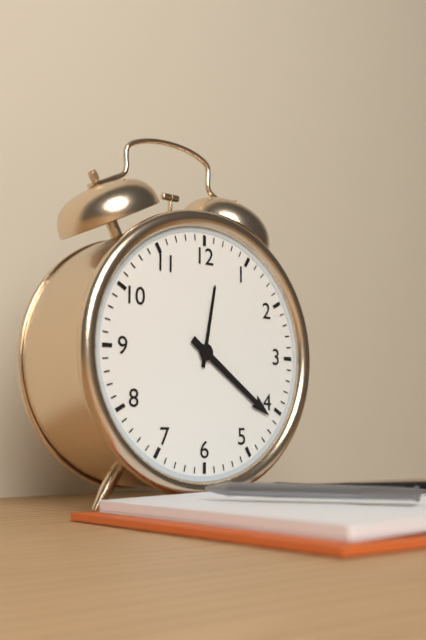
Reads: 12h21
